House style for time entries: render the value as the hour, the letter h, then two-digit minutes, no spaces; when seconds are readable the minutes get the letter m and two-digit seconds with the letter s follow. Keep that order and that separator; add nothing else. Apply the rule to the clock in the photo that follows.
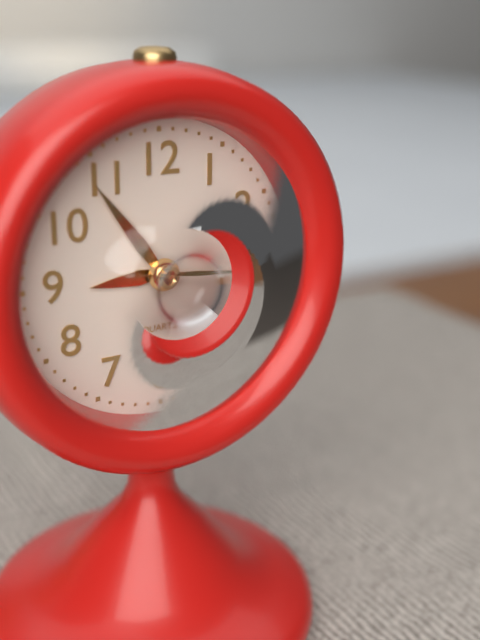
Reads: 8h54m16s
